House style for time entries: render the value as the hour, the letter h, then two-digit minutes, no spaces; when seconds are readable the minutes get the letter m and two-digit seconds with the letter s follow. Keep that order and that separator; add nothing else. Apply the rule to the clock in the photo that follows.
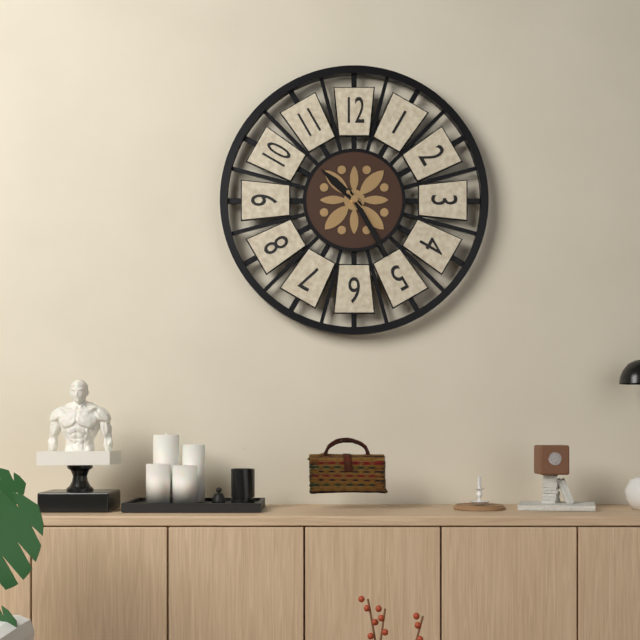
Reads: 10h25
